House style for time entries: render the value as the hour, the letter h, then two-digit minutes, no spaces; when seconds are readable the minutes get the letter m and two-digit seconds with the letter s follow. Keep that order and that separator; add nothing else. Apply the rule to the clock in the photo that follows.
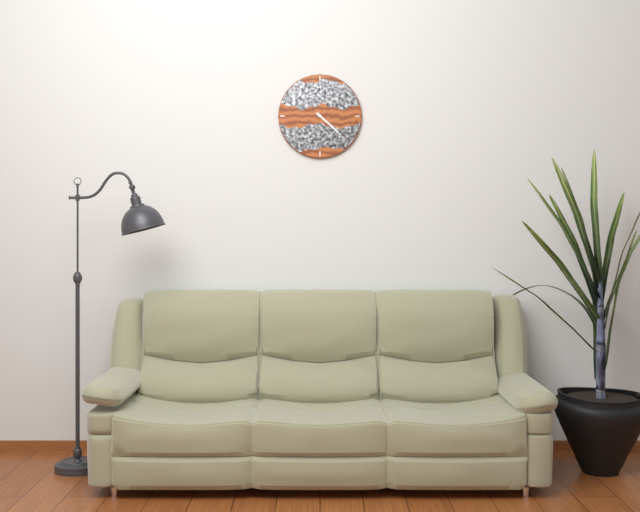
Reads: 4h22
